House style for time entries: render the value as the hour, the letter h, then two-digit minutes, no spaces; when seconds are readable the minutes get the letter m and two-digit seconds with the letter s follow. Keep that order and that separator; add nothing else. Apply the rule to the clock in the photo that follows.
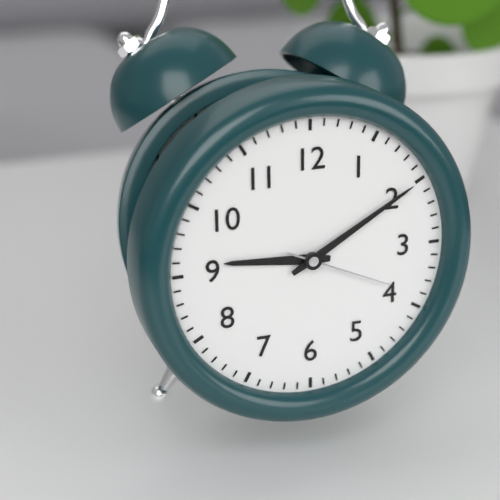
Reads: 9h10m19s
